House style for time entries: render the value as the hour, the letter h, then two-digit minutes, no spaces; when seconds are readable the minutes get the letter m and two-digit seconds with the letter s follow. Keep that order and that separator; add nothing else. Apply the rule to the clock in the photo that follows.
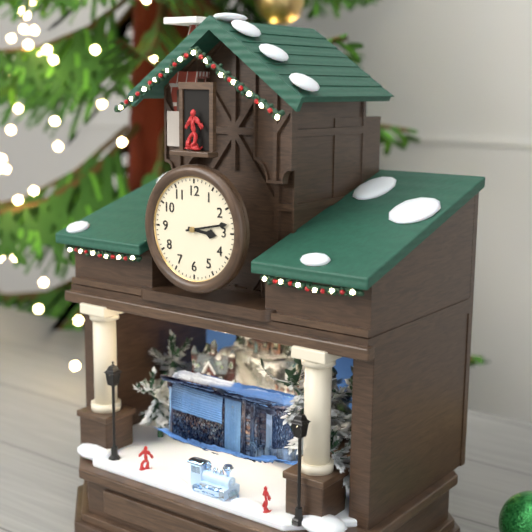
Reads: 3h13
